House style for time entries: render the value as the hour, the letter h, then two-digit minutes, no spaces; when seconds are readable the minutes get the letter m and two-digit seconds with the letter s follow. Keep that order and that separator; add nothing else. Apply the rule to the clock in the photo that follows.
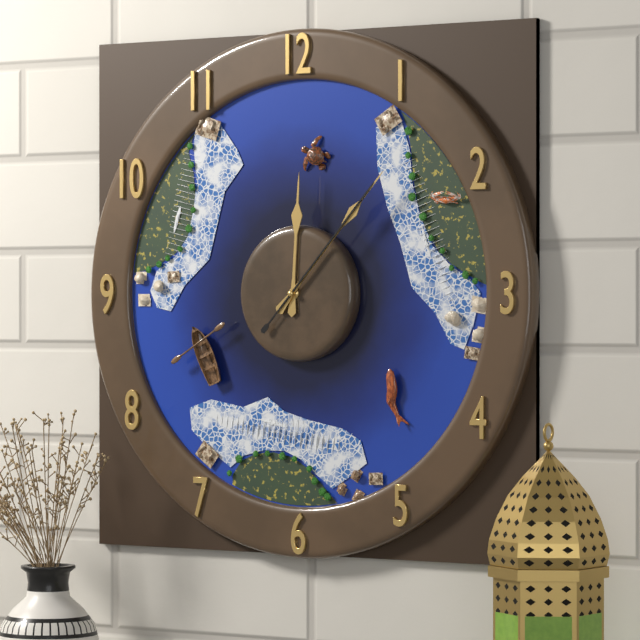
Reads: 12h07m07s
